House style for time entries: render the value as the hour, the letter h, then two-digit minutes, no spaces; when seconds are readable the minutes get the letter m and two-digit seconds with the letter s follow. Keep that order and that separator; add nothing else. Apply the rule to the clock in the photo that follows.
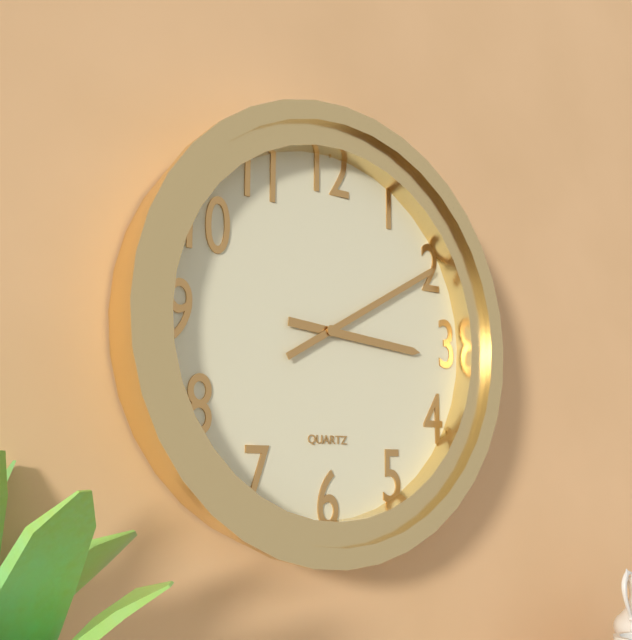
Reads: 3h10
